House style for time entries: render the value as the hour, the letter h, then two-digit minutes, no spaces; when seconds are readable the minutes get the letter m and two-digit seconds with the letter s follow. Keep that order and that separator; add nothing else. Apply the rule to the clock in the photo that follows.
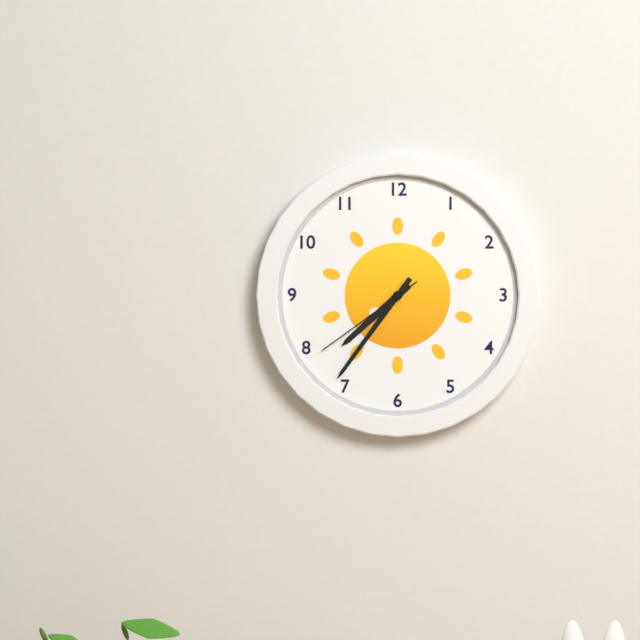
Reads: 7h36m39s
